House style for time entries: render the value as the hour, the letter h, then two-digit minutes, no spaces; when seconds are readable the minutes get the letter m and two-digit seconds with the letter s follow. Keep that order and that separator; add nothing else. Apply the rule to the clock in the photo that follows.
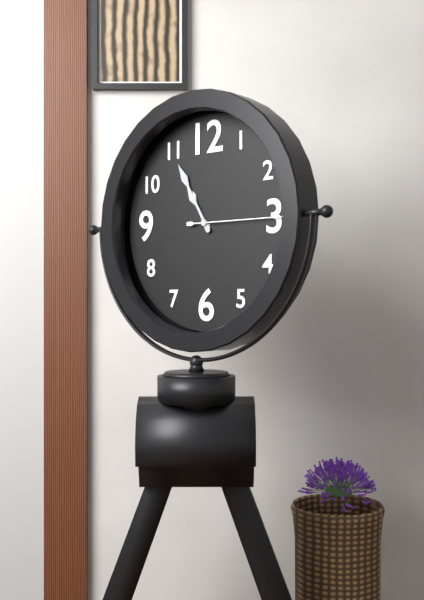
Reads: 10h55m15s
